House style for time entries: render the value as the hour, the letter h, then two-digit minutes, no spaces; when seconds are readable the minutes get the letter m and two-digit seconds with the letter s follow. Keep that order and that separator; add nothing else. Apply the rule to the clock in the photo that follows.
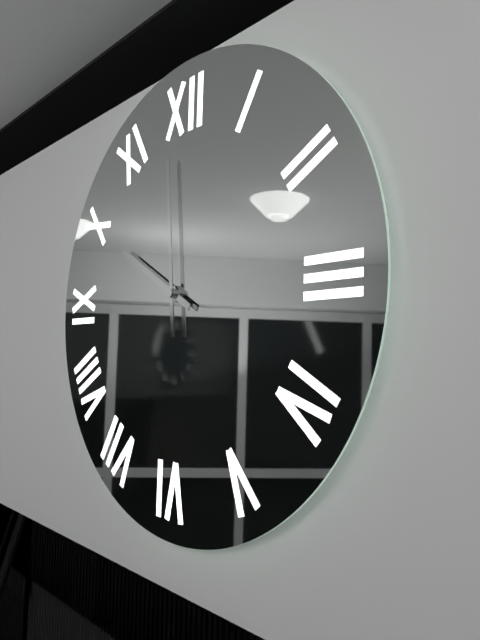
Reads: 9h59
